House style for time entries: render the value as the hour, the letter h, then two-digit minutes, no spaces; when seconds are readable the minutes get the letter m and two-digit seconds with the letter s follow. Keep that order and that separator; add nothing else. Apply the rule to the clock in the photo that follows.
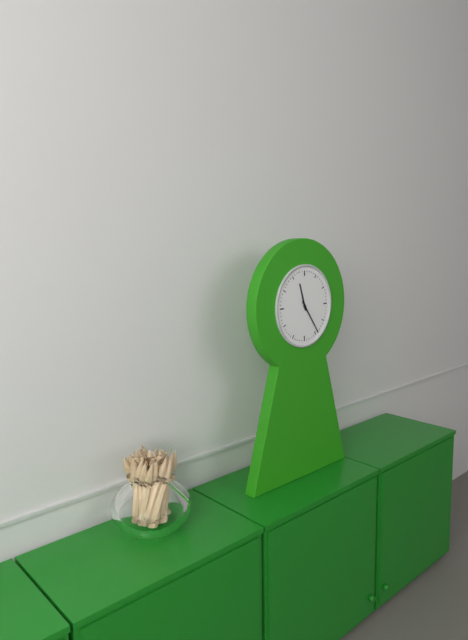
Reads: 11h24
